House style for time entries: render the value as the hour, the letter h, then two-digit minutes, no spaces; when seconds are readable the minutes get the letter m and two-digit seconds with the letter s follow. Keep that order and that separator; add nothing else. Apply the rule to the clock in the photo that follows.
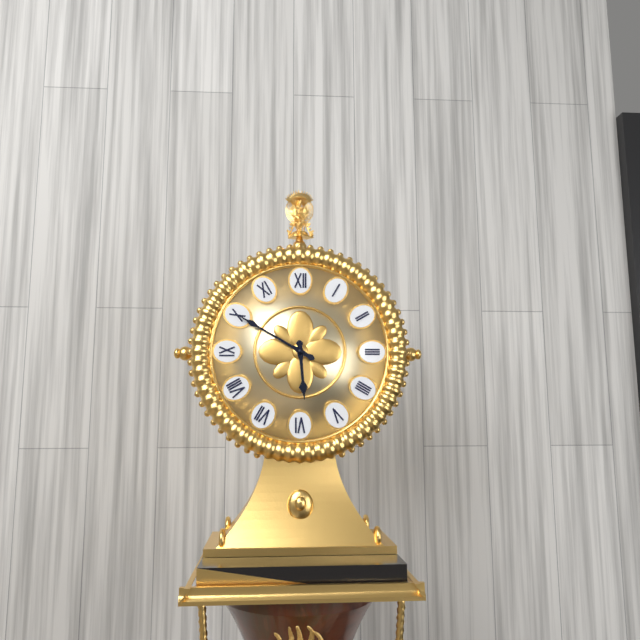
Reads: 5h50
